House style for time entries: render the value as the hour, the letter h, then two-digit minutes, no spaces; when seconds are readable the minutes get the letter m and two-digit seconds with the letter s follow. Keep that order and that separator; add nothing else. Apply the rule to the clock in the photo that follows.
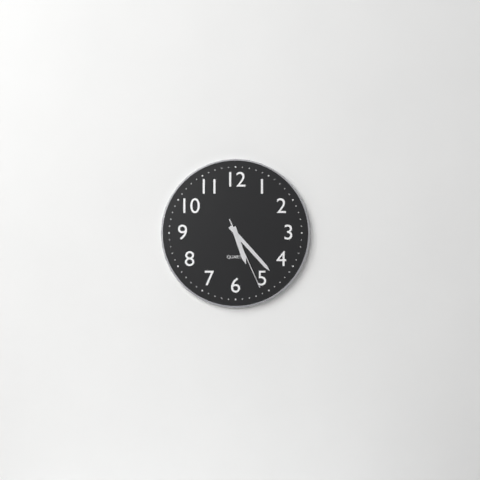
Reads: 5h23m26s
